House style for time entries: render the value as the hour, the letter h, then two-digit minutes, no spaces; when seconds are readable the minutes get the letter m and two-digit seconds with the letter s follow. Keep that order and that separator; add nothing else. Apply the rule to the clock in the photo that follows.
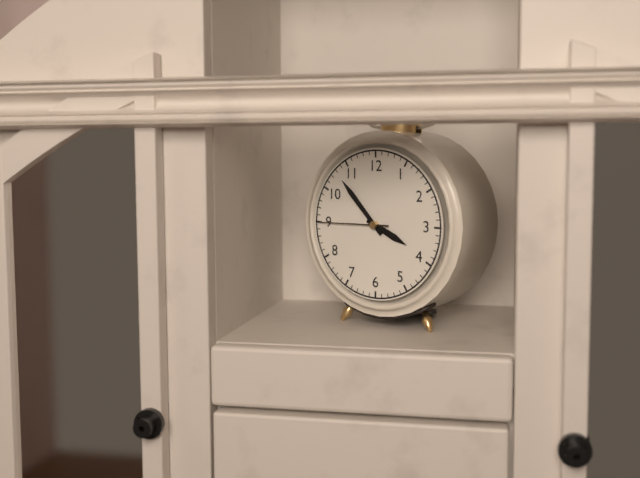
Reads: 3h53m45s
